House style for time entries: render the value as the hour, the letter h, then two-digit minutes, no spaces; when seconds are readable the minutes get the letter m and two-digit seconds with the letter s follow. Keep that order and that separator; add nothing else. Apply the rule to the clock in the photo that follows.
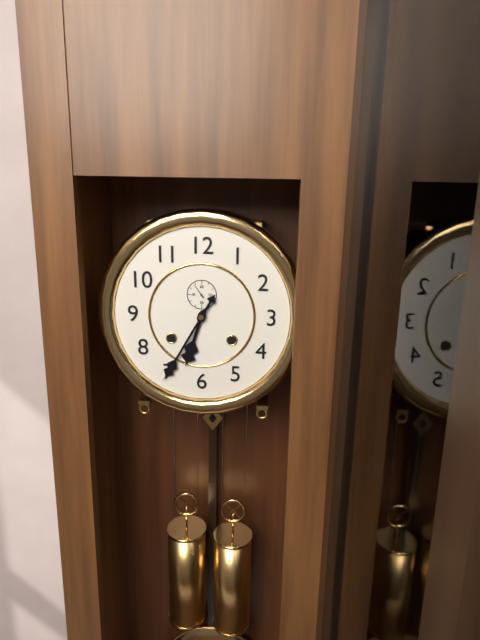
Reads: 6h35
